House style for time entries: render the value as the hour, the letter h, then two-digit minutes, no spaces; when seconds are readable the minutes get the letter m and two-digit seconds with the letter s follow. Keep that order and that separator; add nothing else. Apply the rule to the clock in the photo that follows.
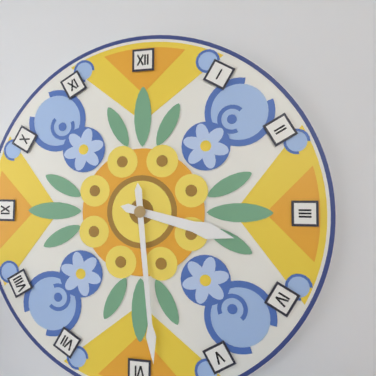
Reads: 3h29
